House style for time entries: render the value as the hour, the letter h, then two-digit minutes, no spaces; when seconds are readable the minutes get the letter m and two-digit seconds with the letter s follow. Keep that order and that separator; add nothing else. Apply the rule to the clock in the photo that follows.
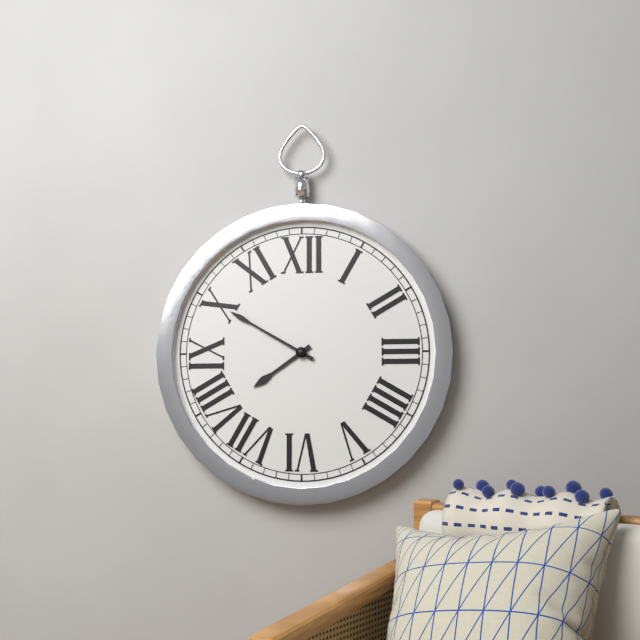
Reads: 7h50
